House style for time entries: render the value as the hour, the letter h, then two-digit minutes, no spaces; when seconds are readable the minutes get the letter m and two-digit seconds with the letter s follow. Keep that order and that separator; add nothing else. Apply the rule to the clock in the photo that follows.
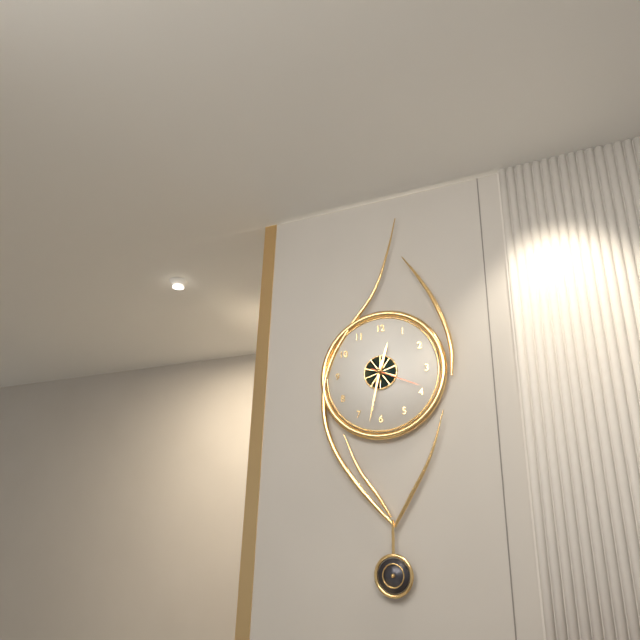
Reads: 12h32m19s
